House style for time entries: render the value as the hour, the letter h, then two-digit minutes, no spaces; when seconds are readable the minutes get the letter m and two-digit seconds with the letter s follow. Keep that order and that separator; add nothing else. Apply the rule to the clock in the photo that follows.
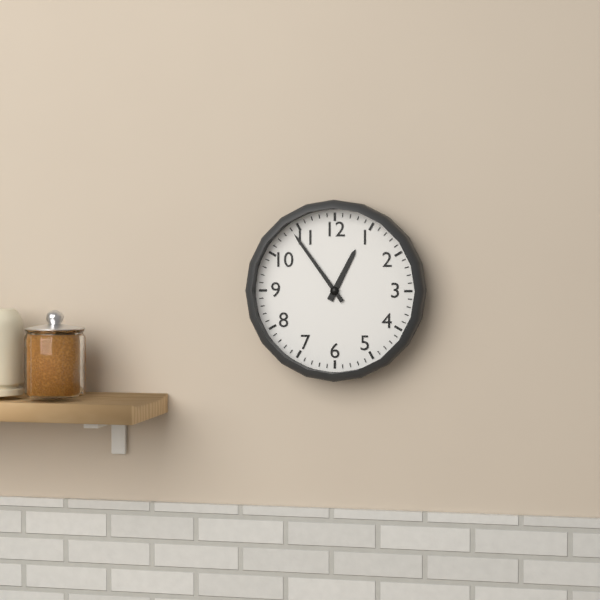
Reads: 12h54
